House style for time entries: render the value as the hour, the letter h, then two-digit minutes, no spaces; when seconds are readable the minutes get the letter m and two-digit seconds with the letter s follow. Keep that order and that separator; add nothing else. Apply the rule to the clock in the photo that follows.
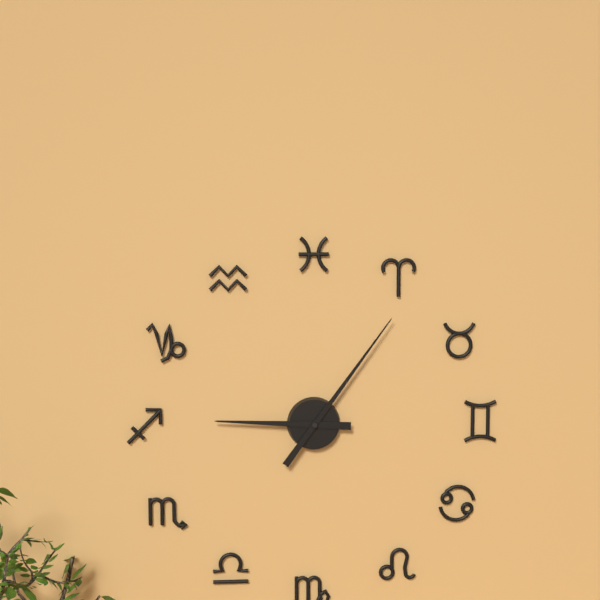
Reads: 9h06
